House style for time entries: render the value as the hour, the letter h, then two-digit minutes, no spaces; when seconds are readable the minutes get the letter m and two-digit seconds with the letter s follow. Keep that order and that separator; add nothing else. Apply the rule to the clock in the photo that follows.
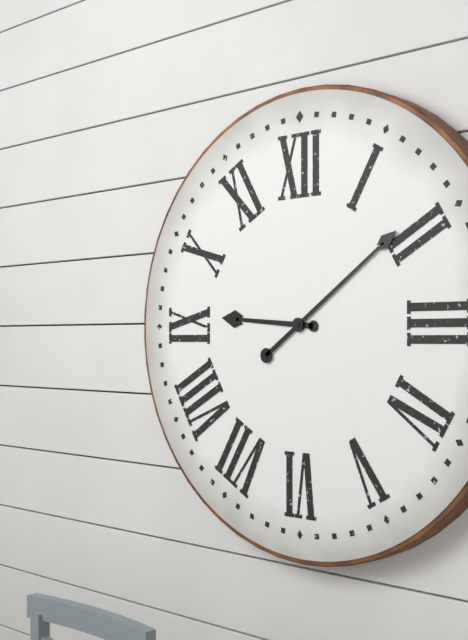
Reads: 9h09
